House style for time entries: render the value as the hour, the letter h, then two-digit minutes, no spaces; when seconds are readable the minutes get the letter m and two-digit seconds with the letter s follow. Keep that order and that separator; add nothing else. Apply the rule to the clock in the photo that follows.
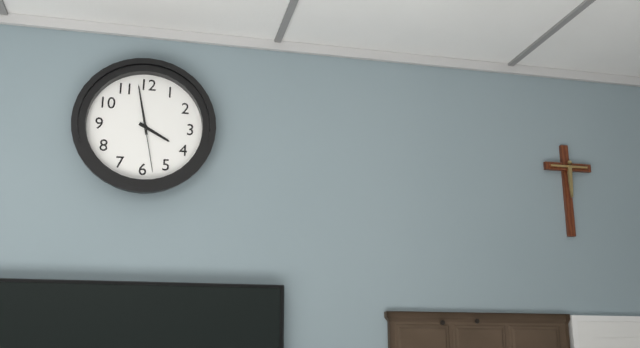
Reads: 3h58m28s
